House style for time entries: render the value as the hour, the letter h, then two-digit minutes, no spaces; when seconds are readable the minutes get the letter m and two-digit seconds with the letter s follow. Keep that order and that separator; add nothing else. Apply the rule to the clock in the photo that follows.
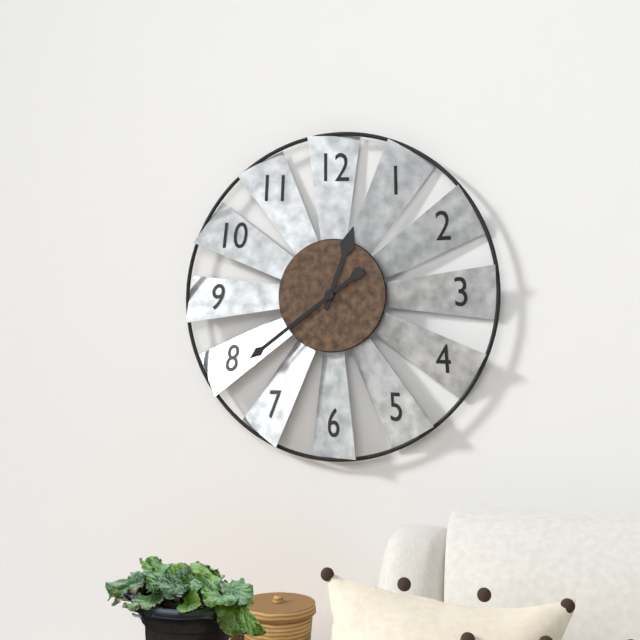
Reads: 12h39
